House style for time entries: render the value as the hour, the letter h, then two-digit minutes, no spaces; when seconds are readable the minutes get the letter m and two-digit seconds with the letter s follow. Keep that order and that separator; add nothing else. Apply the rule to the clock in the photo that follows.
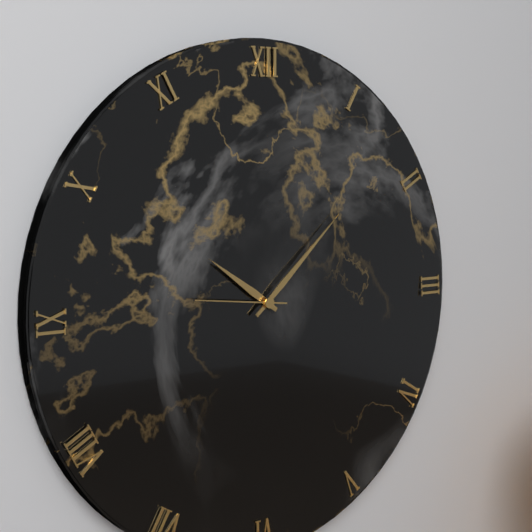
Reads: 10h08m46s
